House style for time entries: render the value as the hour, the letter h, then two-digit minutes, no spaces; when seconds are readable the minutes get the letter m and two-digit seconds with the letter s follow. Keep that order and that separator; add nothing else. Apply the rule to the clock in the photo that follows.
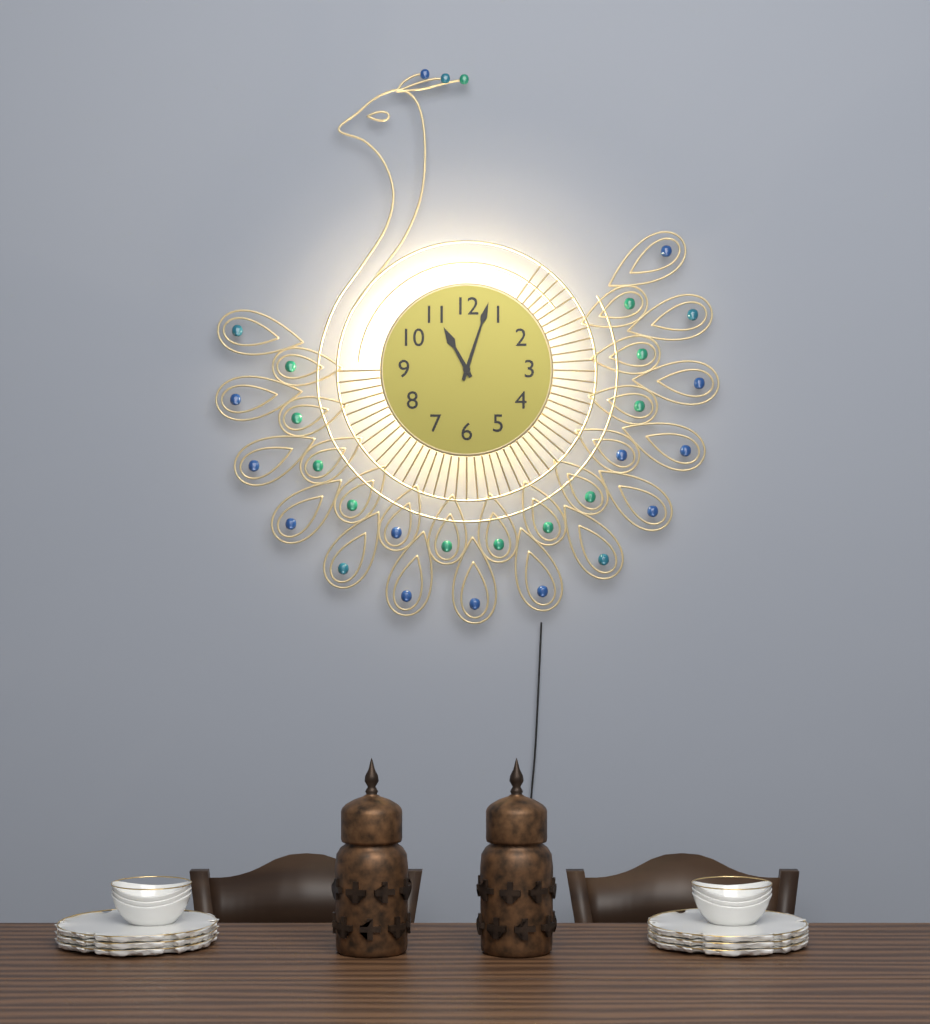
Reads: 11h03
